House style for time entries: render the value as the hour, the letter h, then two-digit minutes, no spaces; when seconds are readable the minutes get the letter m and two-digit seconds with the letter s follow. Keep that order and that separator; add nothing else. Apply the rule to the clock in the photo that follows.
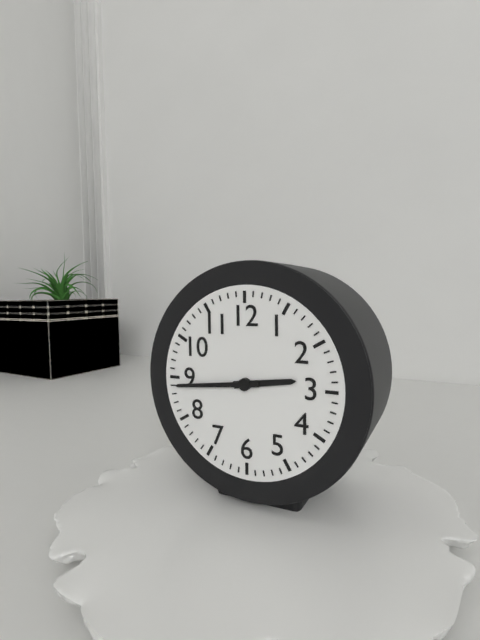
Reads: 2h44
